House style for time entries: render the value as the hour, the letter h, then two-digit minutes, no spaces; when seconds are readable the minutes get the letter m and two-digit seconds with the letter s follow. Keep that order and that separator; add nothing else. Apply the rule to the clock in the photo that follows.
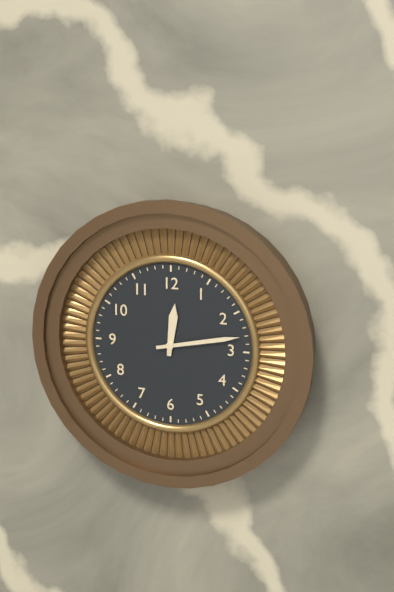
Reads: 12h13
